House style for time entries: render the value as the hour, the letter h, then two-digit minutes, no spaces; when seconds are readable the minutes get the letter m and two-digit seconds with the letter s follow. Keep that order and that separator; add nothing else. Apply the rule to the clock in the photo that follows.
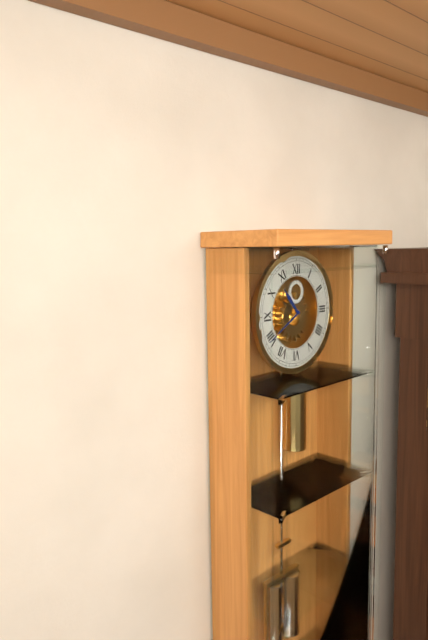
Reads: 10h40
